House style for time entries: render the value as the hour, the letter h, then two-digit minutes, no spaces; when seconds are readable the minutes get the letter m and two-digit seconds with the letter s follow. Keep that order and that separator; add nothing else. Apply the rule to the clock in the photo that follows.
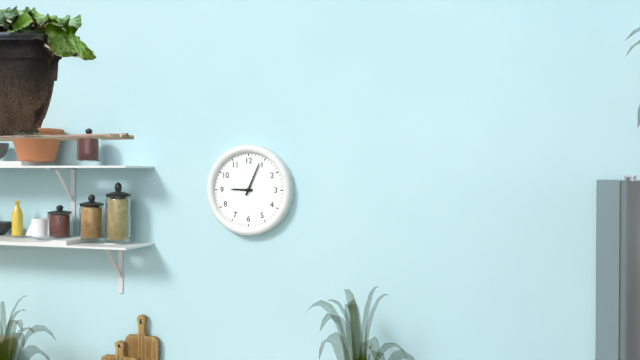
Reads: 9h04
